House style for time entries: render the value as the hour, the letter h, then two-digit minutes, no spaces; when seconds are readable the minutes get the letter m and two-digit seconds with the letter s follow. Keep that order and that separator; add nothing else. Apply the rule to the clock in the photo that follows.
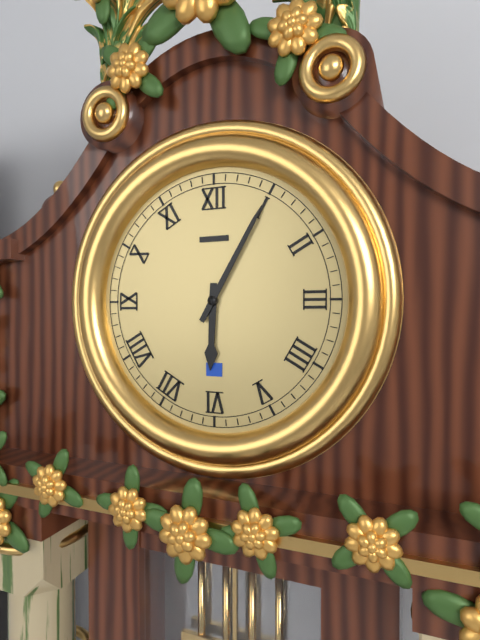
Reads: 6h05
